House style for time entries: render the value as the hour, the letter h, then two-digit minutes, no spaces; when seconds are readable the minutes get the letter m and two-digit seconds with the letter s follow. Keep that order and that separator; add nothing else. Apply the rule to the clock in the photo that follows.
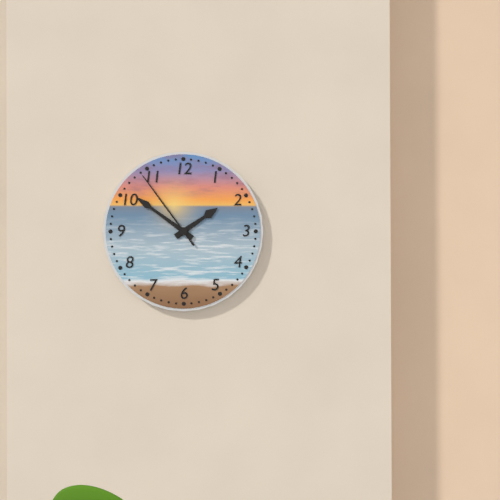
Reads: 1h51m54s
